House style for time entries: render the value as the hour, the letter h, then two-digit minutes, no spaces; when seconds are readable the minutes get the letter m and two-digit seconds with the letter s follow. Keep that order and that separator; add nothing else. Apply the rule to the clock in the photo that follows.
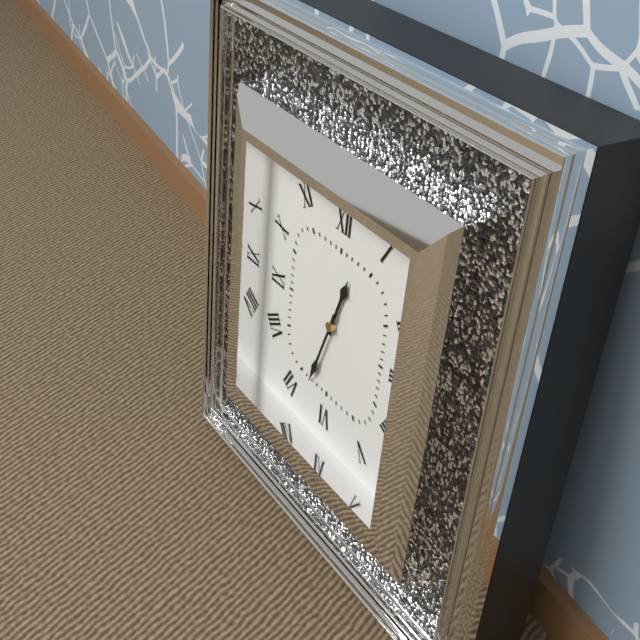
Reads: 12h33
